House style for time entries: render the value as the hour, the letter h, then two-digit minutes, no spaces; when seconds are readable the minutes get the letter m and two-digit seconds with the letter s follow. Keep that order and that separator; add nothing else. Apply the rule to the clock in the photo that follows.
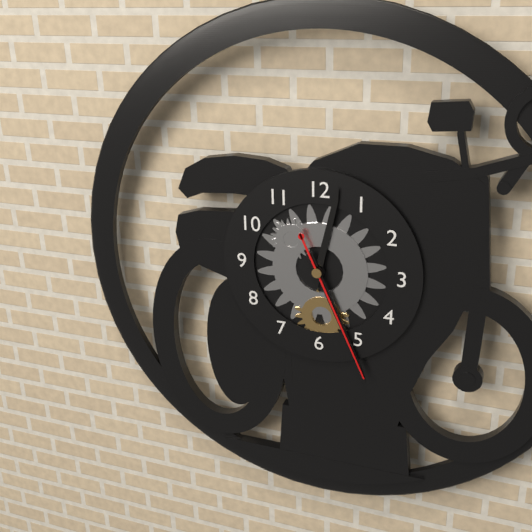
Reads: 12h26m26s
